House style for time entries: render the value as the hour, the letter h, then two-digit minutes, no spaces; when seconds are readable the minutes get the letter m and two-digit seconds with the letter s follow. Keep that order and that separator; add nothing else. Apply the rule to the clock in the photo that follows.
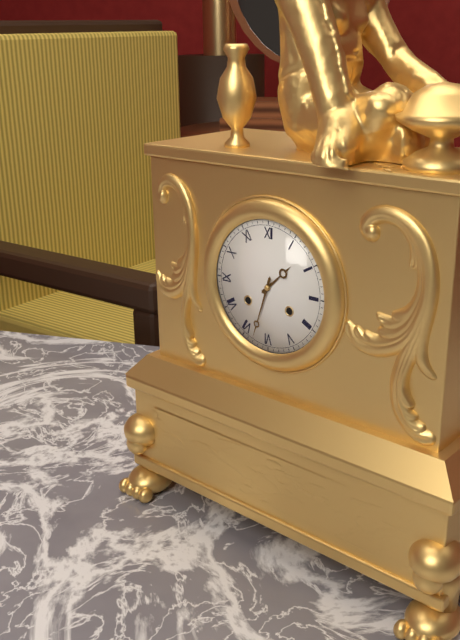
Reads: 1h33
